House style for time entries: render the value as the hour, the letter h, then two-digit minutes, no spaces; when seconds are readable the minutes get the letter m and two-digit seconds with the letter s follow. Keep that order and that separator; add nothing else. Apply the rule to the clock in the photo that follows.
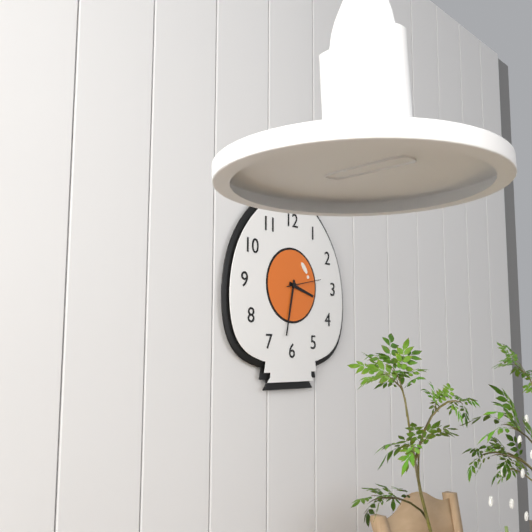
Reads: 3h32
